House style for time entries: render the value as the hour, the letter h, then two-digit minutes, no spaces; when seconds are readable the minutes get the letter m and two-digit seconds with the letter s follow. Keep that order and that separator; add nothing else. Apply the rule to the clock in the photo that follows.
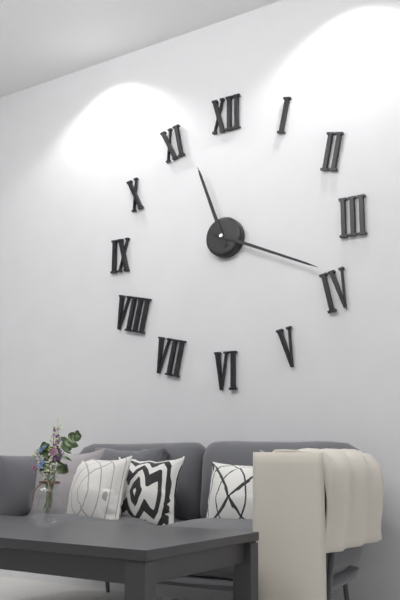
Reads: 11h19
